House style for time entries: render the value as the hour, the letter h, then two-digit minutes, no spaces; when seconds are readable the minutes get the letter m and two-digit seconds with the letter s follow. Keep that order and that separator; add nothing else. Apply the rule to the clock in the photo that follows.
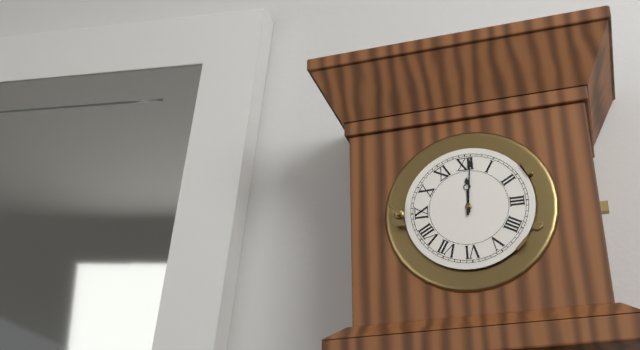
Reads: 12h01
